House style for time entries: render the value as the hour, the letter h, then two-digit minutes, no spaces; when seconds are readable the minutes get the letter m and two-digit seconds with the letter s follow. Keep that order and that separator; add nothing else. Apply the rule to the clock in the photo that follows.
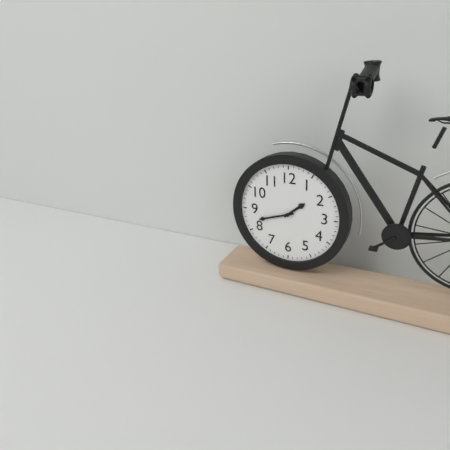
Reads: 1h42
